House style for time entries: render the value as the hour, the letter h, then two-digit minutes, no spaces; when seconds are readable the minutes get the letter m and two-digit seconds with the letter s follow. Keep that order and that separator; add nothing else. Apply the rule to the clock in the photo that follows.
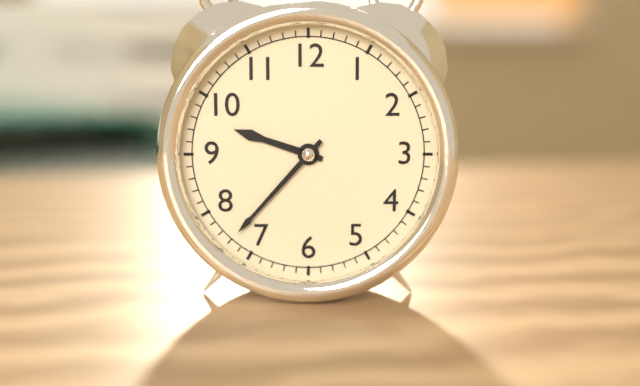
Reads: 9h37
